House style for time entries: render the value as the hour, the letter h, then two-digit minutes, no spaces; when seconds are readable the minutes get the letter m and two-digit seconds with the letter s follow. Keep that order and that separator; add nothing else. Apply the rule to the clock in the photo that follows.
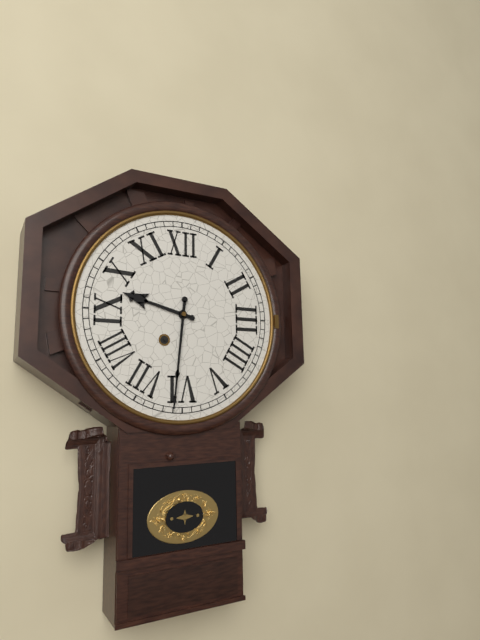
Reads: 9h31
